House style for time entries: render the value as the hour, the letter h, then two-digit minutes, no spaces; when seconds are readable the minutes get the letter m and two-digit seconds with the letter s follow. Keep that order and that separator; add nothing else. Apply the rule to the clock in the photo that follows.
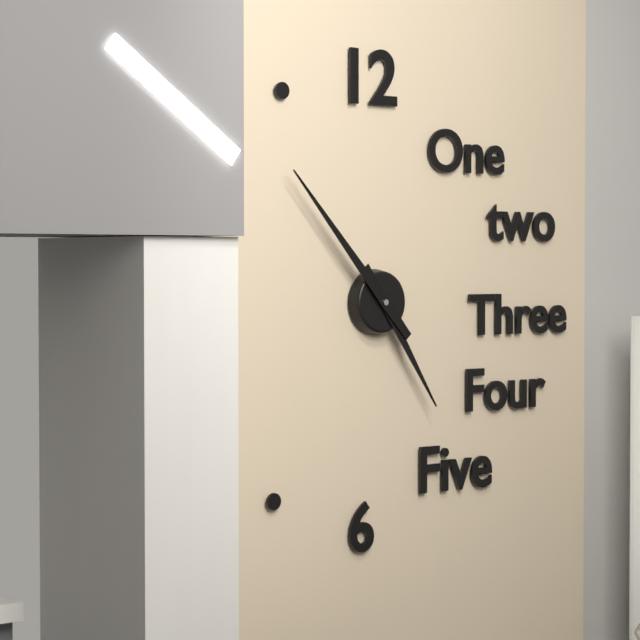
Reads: 4h53
